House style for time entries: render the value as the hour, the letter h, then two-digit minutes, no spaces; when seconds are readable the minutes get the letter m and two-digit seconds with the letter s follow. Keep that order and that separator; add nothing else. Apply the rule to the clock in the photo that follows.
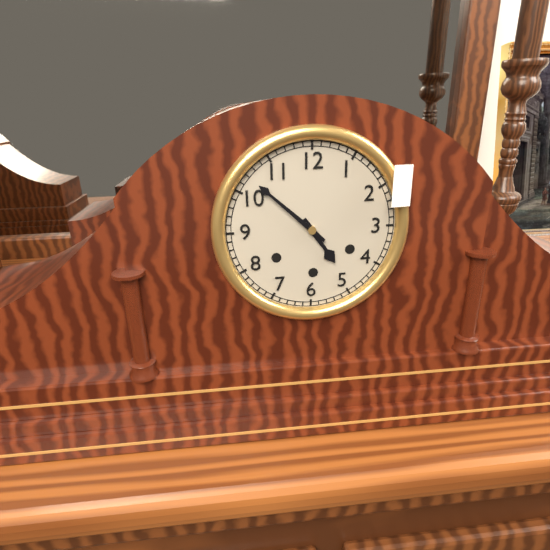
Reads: 4h52
